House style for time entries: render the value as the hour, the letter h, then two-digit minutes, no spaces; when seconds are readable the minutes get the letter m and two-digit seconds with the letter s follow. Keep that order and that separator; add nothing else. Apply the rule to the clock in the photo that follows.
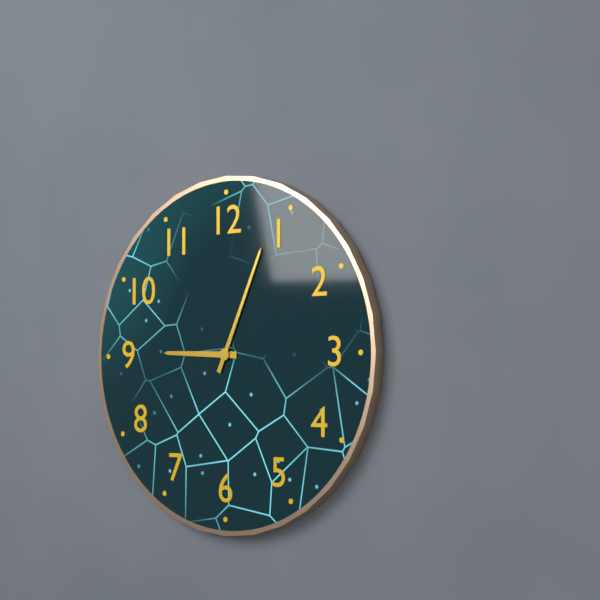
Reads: 9h04
